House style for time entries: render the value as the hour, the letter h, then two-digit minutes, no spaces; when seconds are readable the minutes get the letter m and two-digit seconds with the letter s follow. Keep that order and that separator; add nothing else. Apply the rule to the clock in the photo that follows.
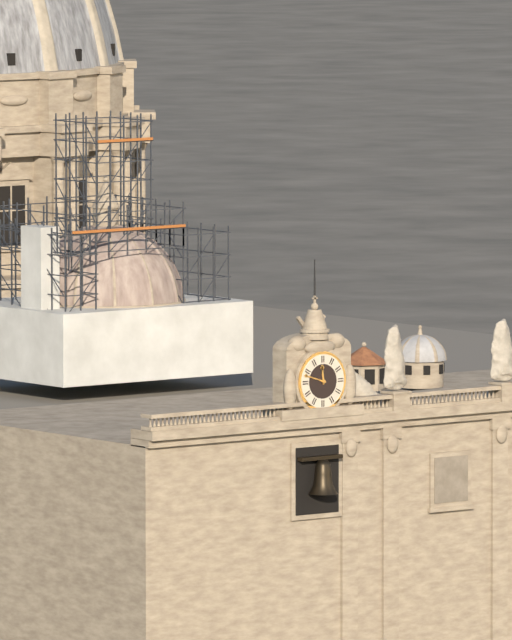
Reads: 11h48
